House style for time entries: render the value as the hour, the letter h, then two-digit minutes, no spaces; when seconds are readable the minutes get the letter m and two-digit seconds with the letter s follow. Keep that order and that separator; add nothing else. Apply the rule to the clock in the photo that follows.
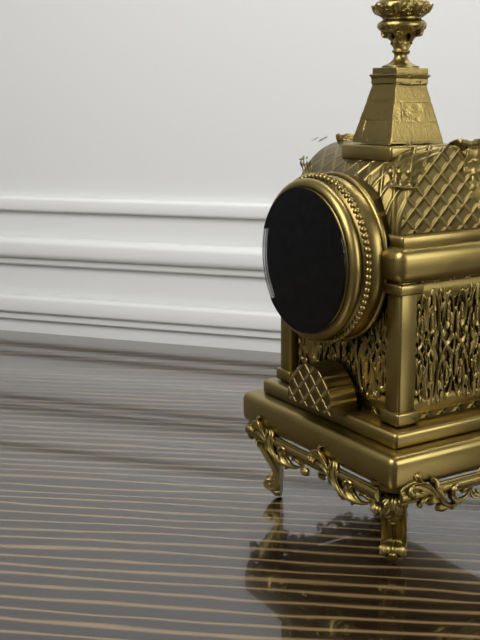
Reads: 3h58
